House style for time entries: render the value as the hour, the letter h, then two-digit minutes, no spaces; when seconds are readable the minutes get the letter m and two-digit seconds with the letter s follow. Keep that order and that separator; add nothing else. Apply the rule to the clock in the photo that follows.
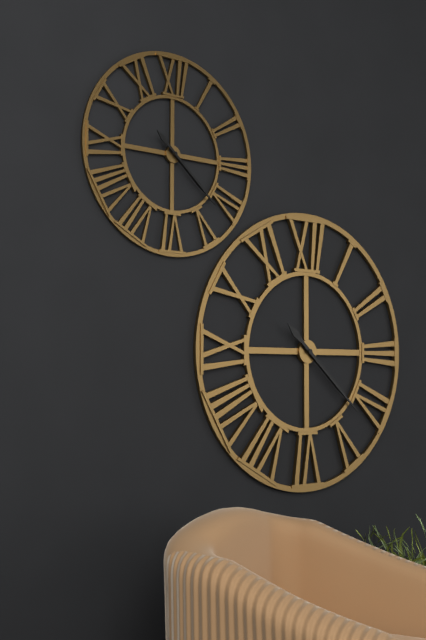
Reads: 4h22
